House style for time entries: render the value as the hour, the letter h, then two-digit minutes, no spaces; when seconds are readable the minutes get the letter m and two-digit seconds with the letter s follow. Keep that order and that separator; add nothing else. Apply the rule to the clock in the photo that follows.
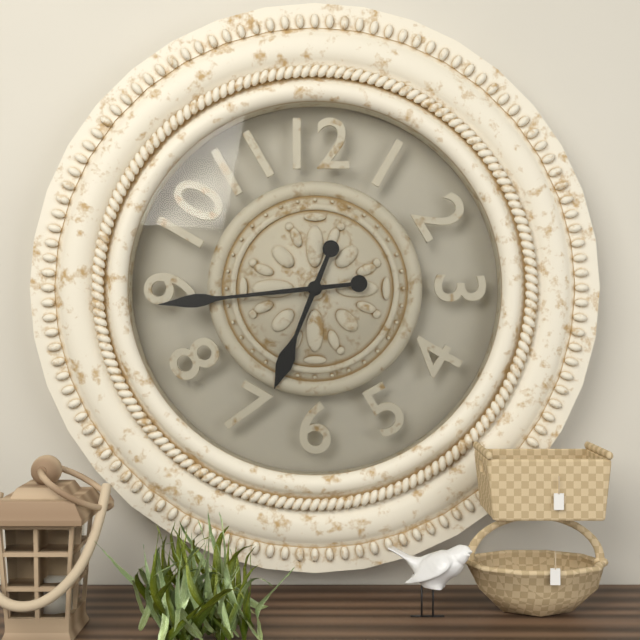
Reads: 6h44
